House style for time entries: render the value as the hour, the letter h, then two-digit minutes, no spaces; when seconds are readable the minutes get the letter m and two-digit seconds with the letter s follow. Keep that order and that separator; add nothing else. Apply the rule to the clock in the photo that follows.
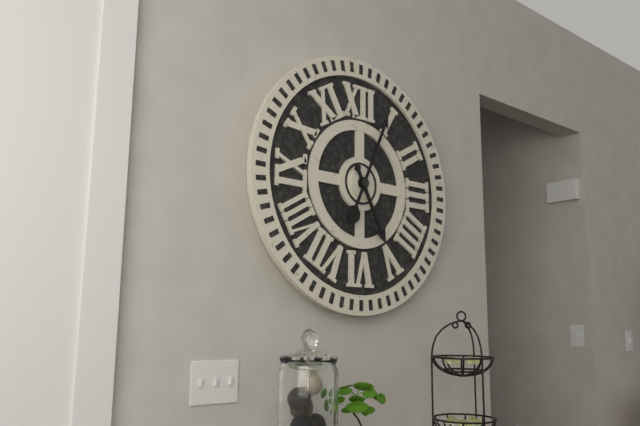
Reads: 5h04
